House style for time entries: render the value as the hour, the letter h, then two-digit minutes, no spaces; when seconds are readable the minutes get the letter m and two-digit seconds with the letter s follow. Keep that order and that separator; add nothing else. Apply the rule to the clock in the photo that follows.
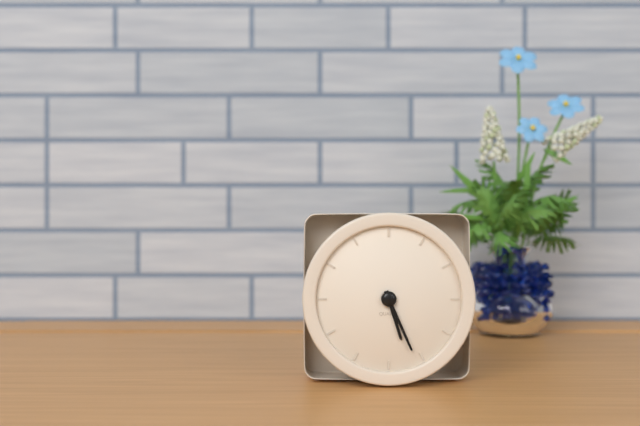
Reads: 5h26
